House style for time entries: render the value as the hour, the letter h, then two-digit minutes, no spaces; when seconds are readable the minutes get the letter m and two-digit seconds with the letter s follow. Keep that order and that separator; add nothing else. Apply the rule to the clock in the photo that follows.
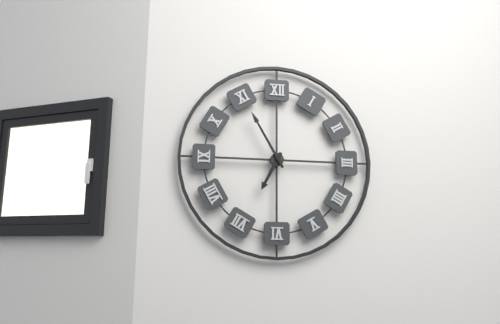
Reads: 6h55
